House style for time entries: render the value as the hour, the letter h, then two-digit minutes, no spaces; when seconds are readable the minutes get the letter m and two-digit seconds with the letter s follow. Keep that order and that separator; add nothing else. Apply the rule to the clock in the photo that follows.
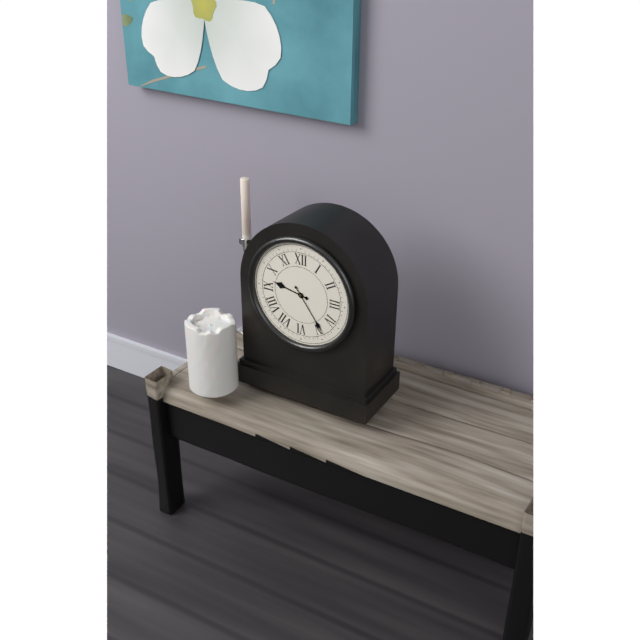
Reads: 9h24
